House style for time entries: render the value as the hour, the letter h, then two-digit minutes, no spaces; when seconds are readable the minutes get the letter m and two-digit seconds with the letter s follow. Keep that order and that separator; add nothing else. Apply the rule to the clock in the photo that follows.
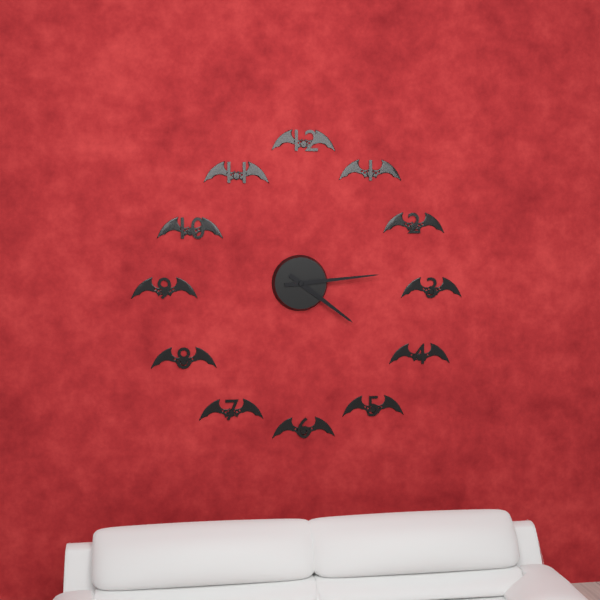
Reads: 4h14
